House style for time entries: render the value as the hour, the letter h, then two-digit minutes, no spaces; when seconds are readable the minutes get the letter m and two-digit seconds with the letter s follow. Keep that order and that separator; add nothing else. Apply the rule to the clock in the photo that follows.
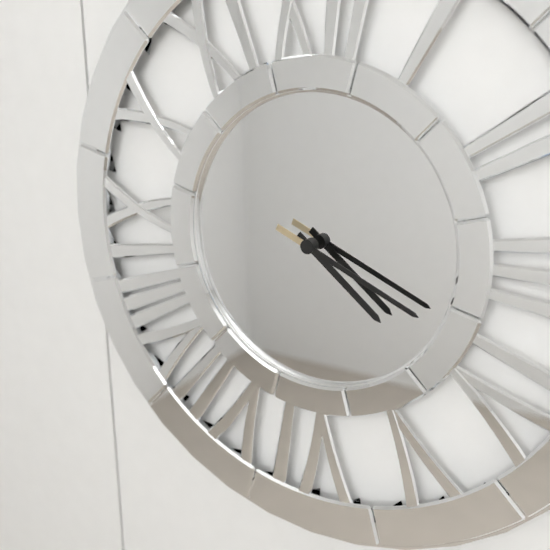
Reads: 4h19
